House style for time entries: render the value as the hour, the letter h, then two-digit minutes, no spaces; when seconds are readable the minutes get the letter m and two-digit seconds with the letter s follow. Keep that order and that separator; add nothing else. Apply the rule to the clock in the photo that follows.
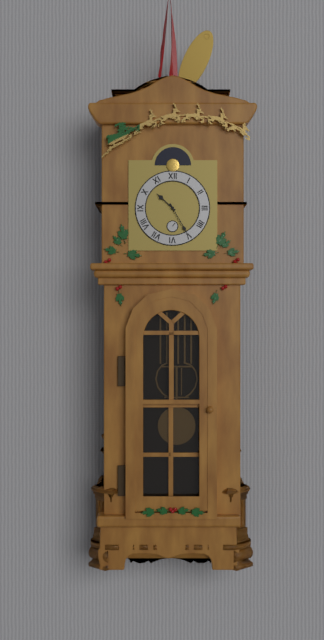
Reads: 10h25
